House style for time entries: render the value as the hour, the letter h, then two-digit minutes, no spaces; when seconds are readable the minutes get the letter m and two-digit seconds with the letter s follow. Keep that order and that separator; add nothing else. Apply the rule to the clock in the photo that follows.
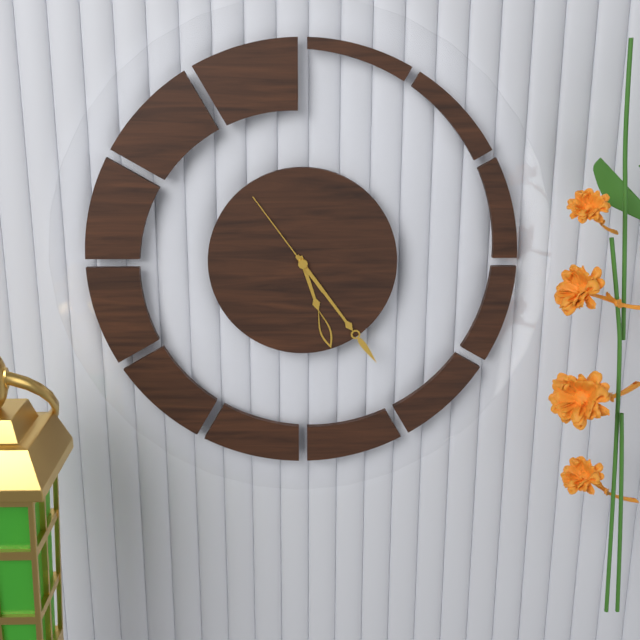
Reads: 5h24m54s
